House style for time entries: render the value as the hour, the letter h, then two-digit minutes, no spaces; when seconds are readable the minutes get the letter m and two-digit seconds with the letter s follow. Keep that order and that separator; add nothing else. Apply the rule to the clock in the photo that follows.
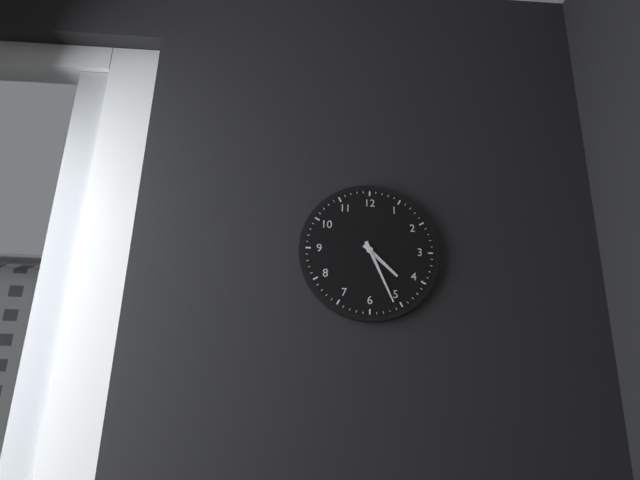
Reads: 4h26
